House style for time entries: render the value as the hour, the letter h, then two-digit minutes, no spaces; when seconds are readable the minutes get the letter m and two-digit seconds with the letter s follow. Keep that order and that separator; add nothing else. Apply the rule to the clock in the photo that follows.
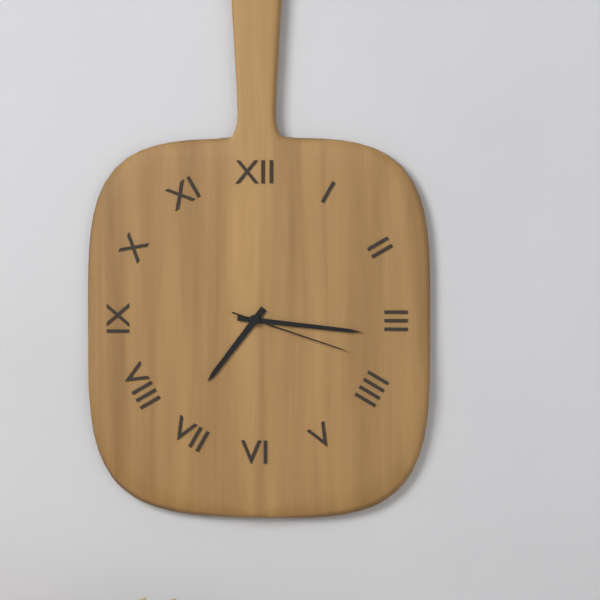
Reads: 7h16m18s
